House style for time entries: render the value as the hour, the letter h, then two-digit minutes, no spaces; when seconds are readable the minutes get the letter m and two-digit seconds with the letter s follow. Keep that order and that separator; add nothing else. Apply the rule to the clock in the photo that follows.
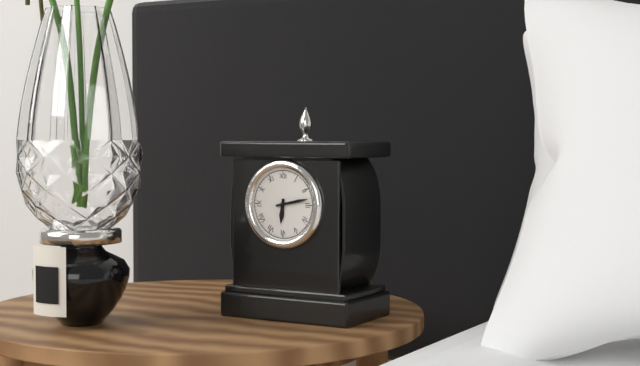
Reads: 6h13
